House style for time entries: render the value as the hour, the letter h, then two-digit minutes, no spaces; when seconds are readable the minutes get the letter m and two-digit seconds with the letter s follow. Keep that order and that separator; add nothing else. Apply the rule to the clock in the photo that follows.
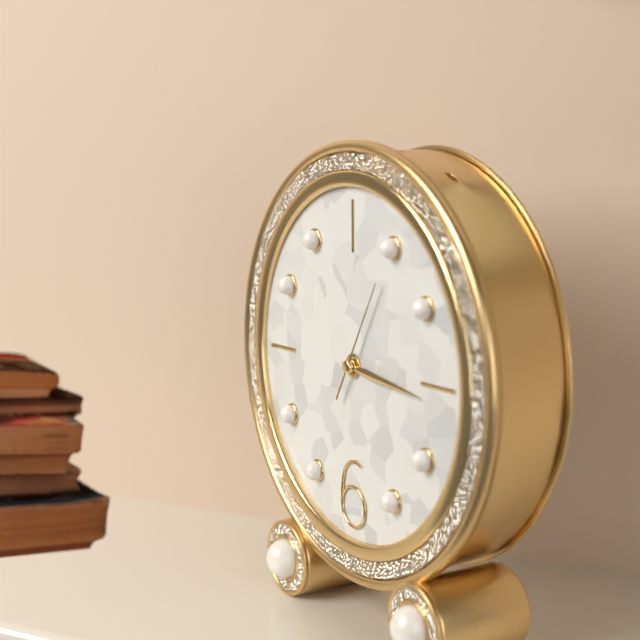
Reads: 3h16m05s
